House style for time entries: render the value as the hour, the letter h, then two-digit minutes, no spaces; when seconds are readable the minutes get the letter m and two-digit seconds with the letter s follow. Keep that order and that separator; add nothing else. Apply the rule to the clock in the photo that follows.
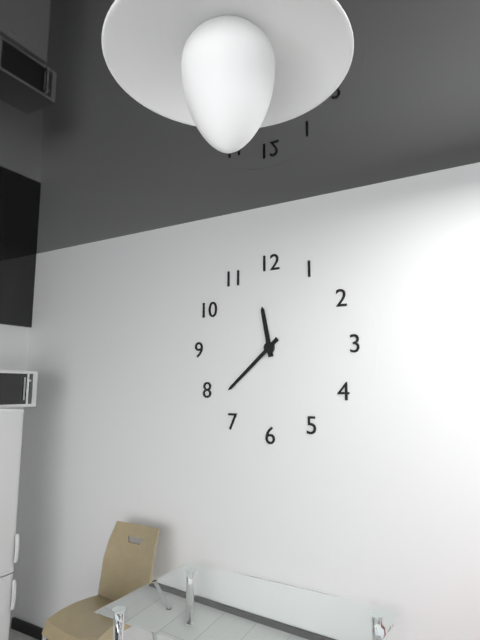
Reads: 11h38
